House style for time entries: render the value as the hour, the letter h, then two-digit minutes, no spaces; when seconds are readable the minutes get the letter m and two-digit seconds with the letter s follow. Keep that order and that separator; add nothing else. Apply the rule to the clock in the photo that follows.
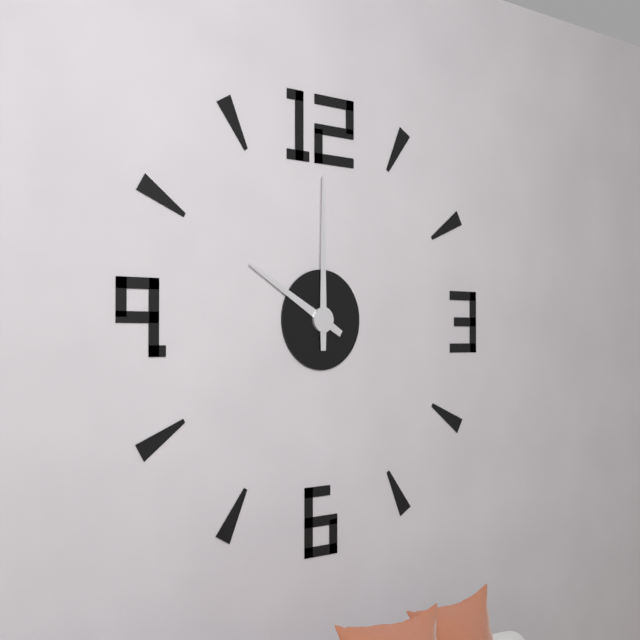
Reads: 10h00
